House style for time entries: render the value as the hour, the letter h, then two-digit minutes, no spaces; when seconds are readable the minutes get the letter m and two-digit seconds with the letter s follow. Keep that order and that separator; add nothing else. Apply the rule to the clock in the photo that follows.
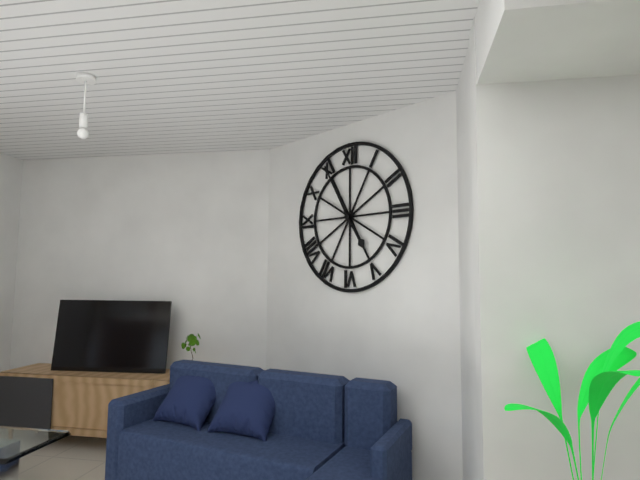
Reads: 4h55
